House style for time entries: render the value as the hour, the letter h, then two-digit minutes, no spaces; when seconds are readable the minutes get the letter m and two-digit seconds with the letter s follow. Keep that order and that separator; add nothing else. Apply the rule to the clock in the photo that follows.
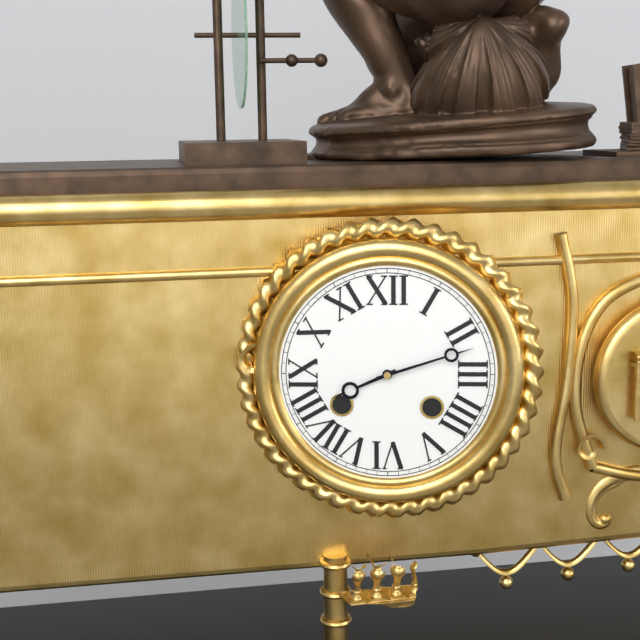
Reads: 8h12
